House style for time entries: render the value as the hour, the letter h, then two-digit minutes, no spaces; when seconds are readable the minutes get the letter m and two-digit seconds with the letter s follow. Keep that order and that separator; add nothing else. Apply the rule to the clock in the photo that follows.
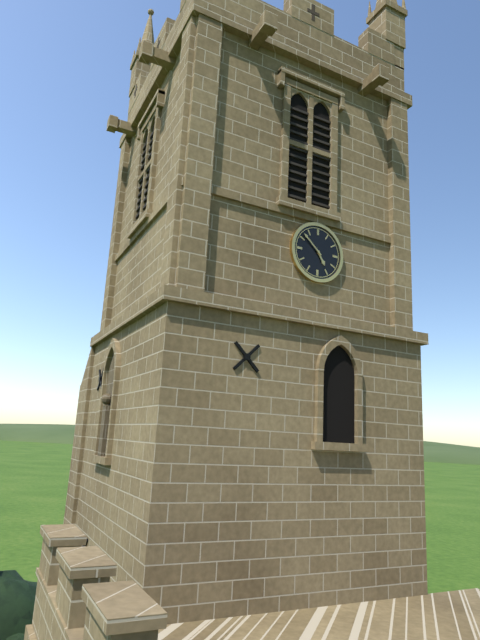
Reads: 4h52
